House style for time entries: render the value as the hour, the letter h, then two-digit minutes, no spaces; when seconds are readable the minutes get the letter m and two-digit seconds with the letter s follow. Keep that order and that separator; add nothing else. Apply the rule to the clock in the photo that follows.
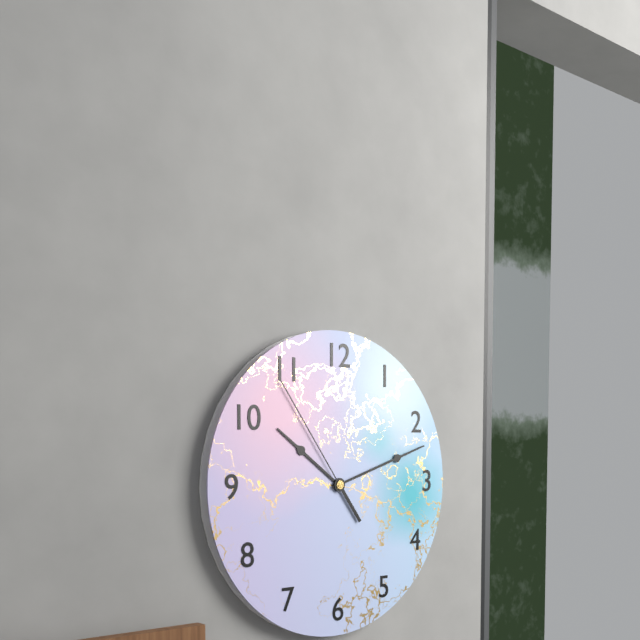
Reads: 10h12m54s
